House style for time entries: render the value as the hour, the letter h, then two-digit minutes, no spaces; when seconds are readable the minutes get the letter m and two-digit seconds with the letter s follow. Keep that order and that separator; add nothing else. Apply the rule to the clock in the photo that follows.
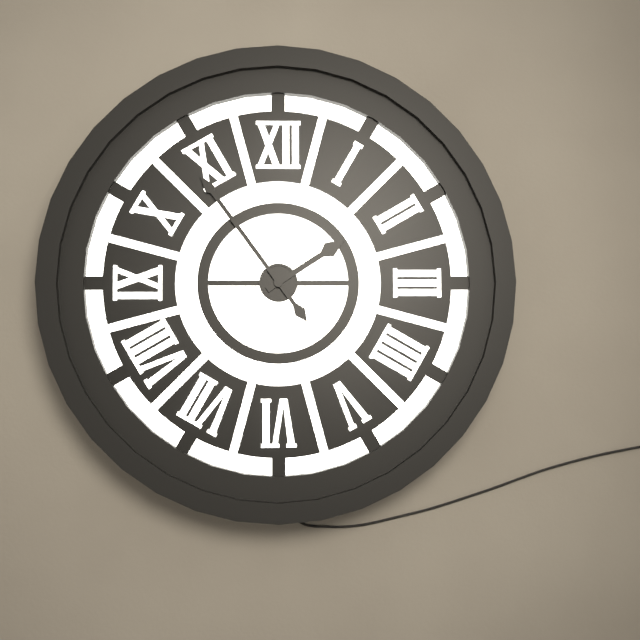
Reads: 1h54
